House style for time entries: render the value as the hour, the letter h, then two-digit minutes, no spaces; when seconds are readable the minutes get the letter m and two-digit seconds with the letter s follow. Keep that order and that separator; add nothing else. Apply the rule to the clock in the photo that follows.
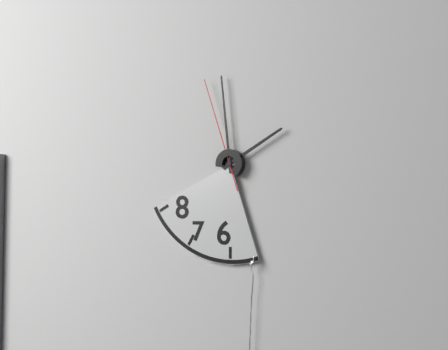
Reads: 1h59m57s
